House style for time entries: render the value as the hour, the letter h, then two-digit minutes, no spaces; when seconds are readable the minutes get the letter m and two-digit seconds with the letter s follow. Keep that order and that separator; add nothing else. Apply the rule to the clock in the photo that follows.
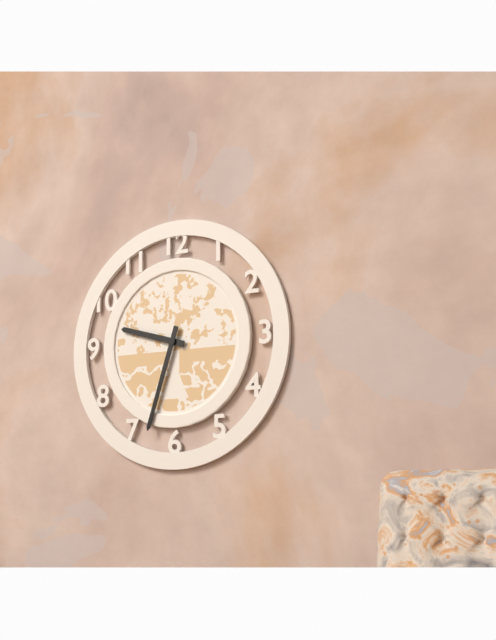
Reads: 9h33
